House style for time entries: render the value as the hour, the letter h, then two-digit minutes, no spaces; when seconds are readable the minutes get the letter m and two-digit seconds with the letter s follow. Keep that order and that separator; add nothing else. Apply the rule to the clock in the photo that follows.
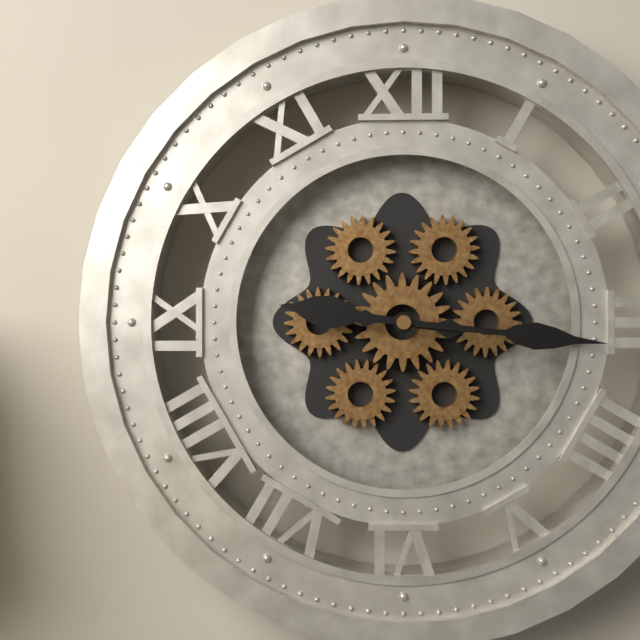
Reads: 9h16
